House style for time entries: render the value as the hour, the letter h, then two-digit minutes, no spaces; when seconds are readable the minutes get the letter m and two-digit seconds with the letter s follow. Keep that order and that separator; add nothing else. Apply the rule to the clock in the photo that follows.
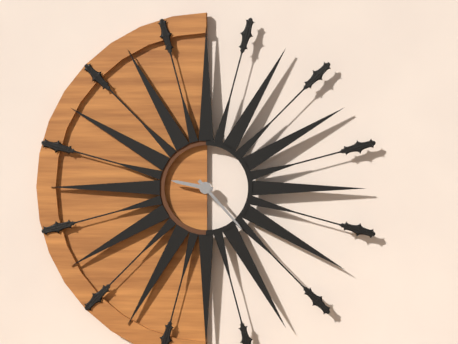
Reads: 9h23
